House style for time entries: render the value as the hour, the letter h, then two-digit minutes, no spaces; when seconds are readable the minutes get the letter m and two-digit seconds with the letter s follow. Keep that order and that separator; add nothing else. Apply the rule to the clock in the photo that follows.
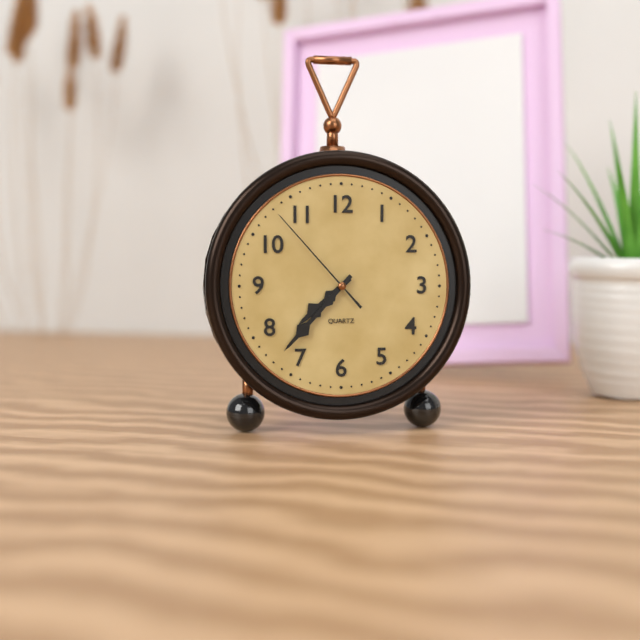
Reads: 7h37m53s
